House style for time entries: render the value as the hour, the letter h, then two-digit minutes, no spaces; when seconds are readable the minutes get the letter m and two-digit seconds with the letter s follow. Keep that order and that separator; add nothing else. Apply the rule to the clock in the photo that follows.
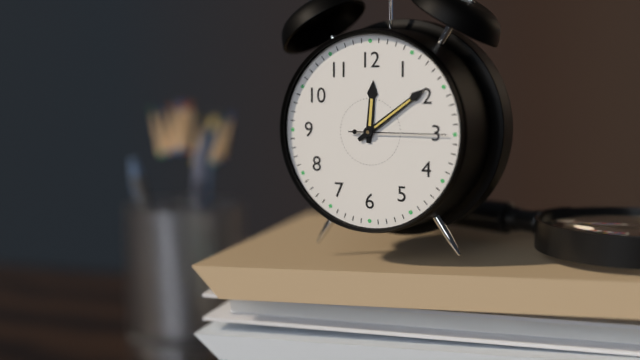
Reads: 12h09m15s
